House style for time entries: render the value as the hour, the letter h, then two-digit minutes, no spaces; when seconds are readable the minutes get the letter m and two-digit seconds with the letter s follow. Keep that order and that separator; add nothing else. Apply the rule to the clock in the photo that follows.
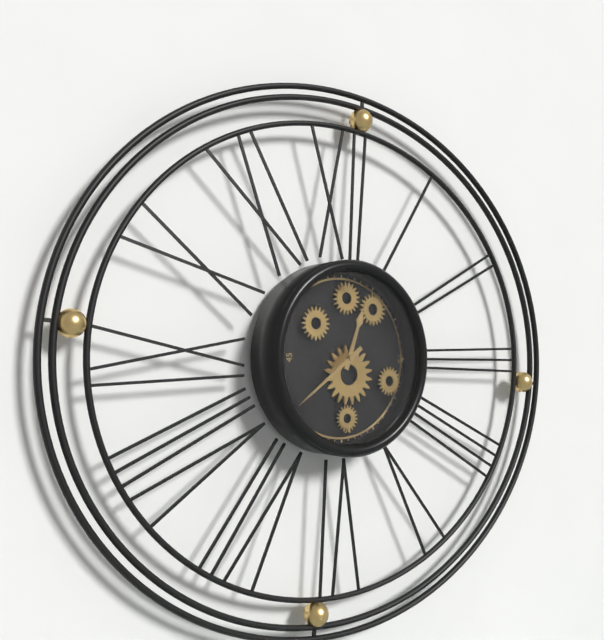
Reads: 12h39
